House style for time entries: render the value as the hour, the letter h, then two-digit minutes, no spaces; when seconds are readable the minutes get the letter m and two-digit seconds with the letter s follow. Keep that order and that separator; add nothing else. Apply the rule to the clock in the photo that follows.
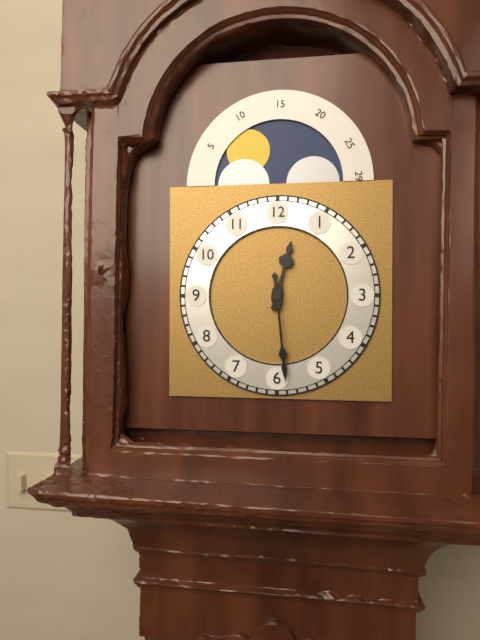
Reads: 12h29
